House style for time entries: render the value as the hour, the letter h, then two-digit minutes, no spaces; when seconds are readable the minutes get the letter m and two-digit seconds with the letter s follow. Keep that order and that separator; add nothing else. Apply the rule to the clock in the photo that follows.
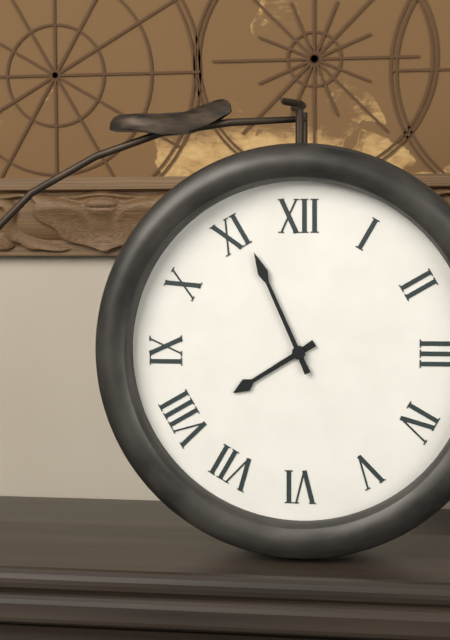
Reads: 7h56
